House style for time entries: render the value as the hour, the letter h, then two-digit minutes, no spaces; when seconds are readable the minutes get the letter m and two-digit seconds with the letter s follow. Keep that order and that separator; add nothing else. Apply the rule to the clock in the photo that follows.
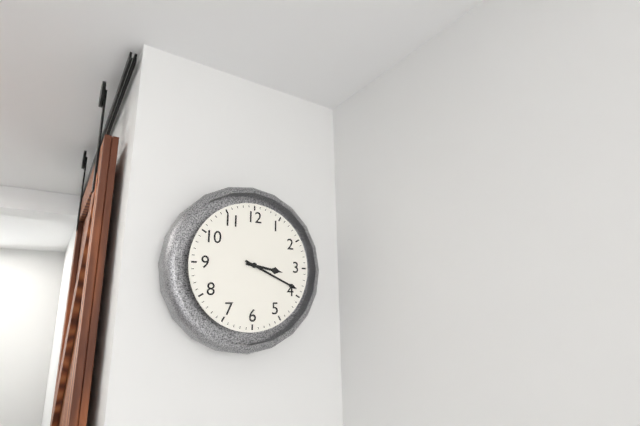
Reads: 3h19
